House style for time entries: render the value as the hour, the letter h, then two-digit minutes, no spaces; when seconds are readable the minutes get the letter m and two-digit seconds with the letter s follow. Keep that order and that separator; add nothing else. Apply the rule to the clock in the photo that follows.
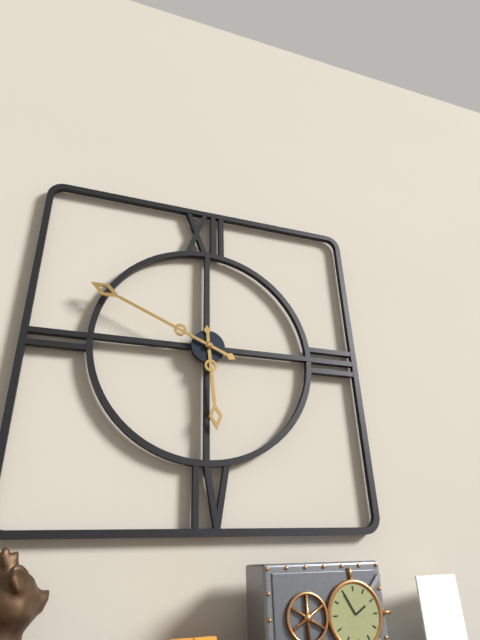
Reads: 5h49
